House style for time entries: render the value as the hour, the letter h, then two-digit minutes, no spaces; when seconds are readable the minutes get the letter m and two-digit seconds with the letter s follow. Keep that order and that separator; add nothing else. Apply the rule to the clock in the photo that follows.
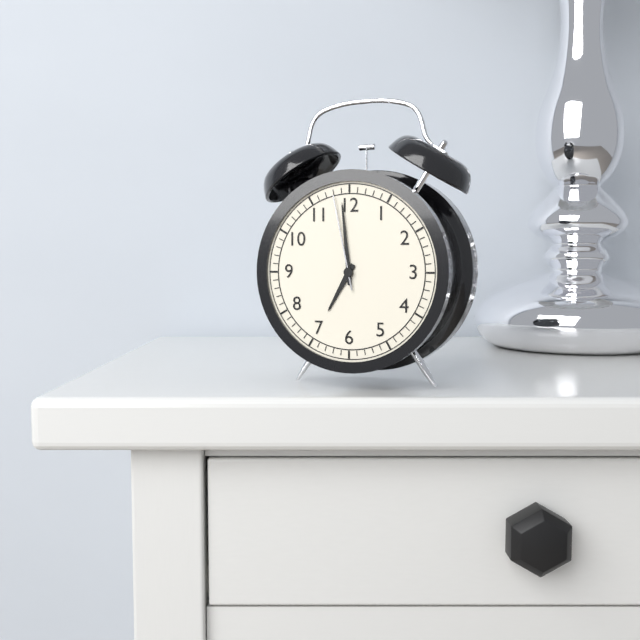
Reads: 6h59m58s
